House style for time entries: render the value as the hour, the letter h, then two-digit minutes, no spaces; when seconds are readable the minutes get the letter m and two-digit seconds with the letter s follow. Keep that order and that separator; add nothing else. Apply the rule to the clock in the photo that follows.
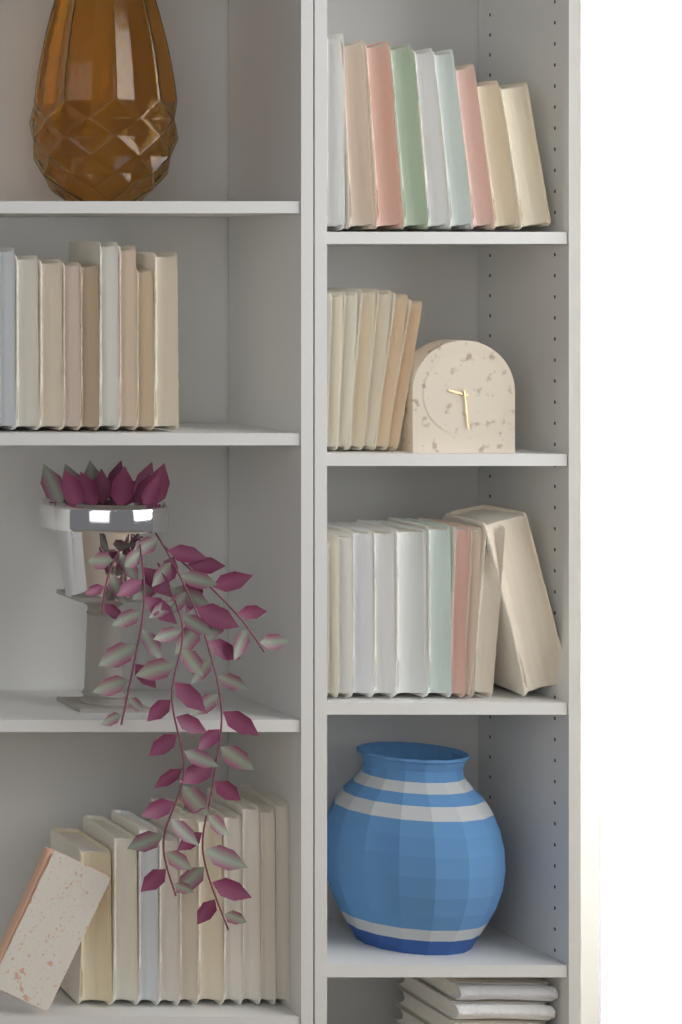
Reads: 9h29
